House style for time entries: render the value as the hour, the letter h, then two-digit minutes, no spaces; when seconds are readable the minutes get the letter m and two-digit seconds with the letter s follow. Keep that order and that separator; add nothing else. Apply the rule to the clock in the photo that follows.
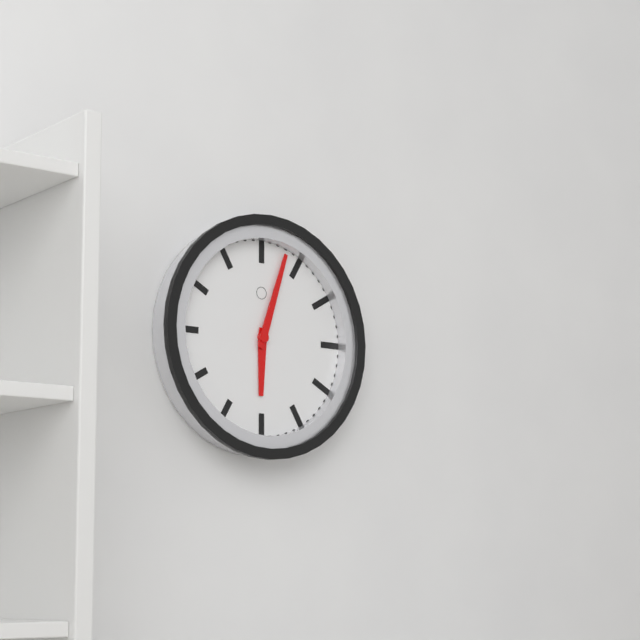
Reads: 6h03
